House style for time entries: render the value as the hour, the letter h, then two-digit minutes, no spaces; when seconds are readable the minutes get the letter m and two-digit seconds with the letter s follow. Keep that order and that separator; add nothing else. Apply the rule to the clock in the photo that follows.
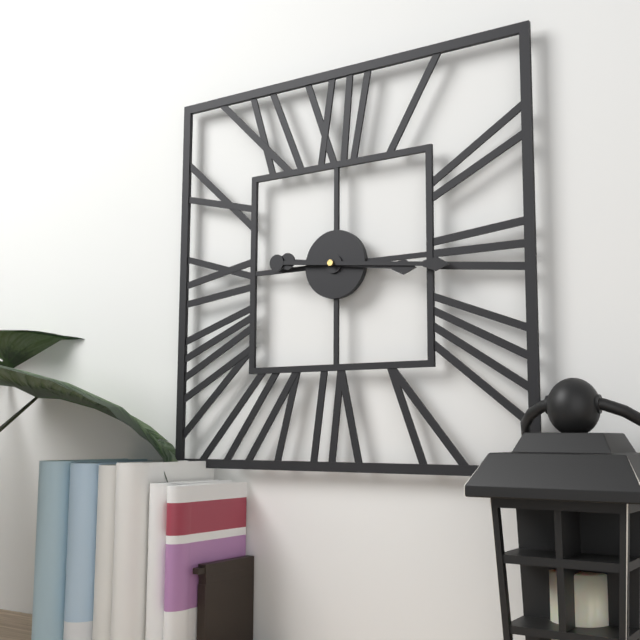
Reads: 3h16
